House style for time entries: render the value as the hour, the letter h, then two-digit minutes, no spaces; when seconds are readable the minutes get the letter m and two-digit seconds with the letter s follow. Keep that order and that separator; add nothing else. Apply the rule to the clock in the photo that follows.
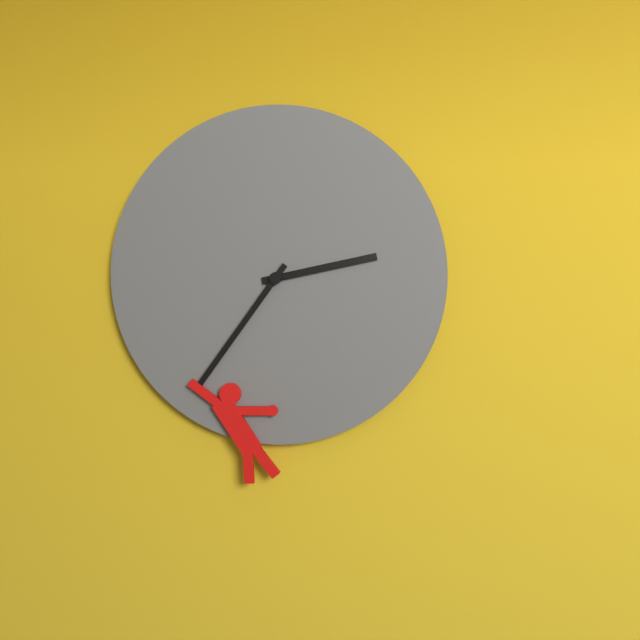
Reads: 2h36
